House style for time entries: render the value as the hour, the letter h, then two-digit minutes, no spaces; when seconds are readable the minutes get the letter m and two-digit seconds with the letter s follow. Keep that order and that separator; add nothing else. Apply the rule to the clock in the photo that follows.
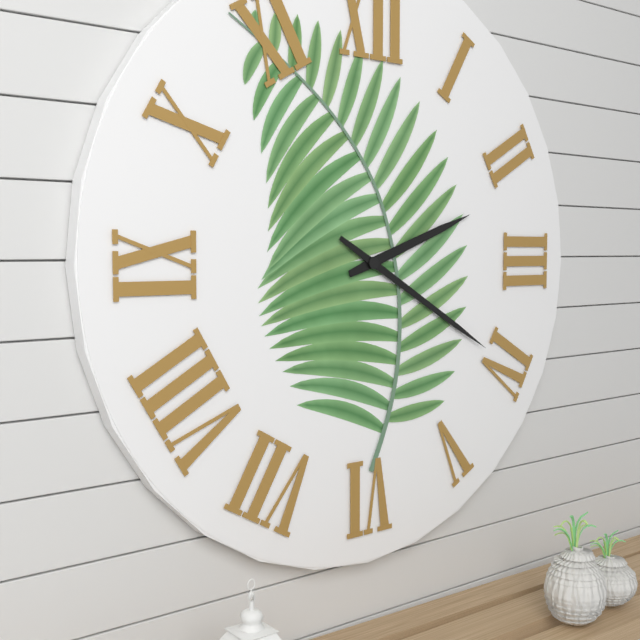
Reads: 2h20
